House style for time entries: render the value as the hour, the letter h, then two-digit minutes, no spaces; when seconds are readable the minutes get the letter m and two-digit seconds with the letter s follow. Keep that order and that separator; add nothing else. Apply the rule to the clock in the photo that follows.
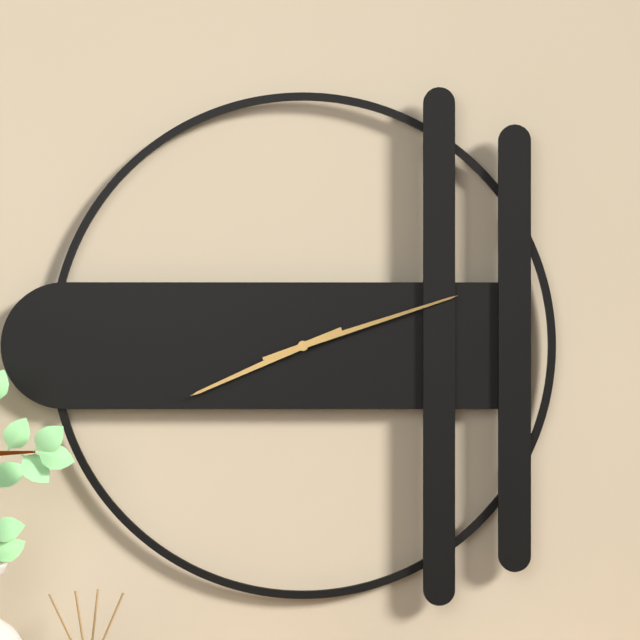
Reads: 8h12
